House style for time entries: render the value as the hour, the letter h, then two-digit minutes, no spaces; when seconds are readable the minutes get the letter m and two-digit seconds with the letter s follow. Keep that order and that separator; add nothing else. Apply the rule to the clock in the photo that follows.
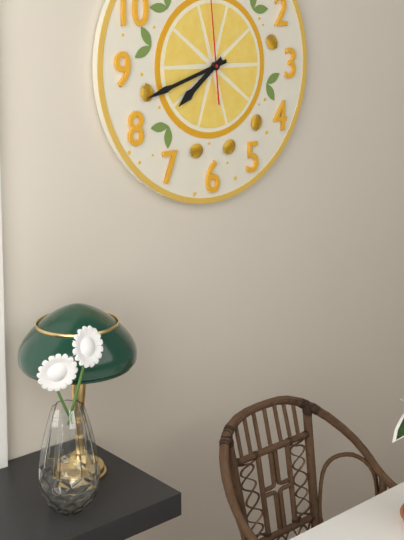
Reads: 7h42
